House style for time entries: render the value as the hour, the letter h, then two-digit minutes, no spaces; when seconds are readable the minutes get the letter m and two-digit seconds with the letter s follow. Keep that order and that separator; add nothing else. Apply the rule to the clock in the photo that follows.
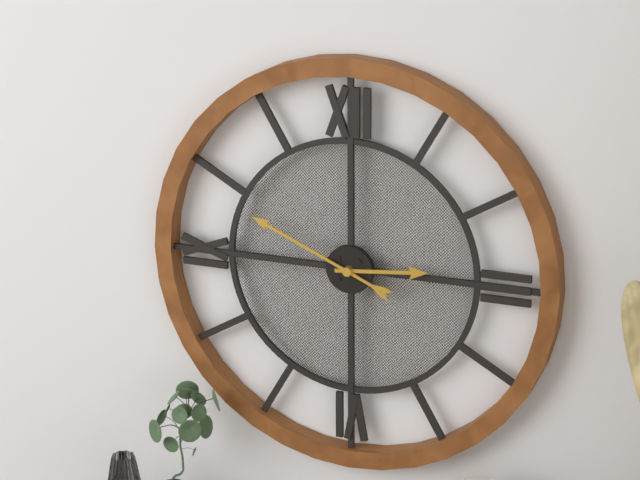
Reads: 2h49
